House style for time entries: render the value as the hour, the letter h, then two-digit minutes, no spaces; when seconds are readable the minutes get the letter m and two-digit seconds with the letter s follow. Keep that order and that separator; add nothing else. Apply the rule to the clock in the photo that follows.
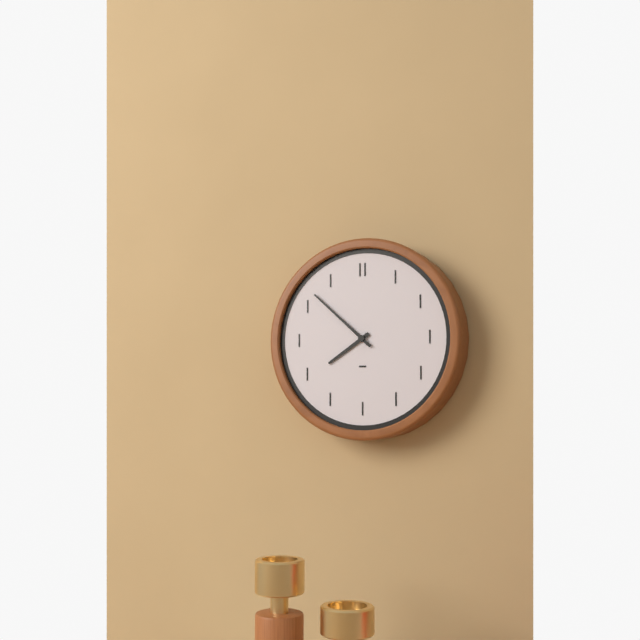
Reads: 7h52
